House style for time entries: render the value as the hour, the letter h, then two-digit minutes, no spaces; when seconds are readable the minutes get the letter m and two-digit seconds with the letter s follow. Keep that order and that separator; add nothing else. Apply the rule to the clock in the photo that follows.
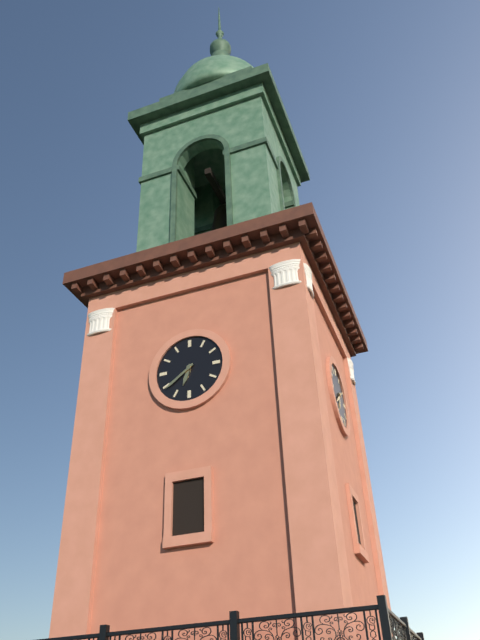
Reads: 6h39
